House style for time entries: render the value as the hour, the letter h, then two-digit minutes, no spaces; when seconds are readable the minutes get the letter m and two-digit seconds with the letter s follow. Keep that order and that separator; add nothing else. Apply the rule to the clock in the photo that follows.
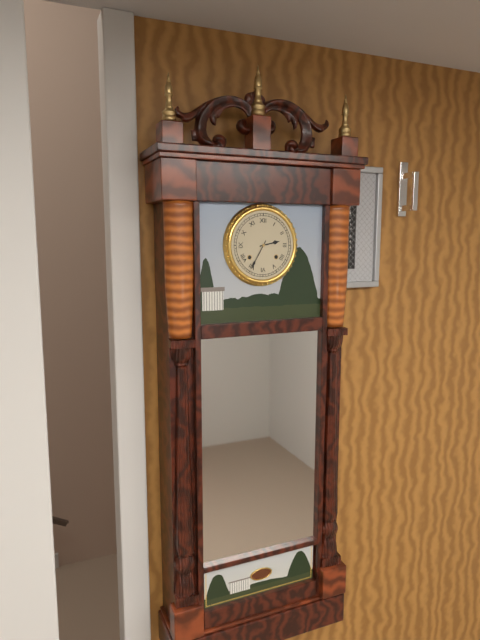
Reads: 2h35
